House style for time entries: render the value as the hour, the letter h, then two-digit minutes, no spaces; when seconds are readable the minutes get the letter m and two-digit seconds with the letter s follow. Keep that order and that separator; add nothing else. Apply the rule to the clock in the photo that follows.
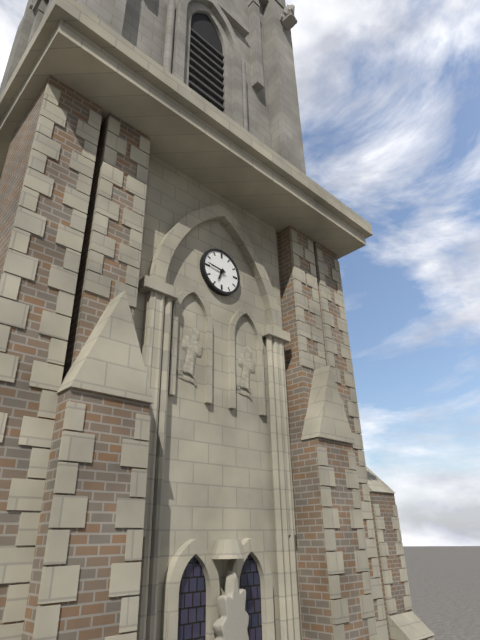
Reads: 6h46
